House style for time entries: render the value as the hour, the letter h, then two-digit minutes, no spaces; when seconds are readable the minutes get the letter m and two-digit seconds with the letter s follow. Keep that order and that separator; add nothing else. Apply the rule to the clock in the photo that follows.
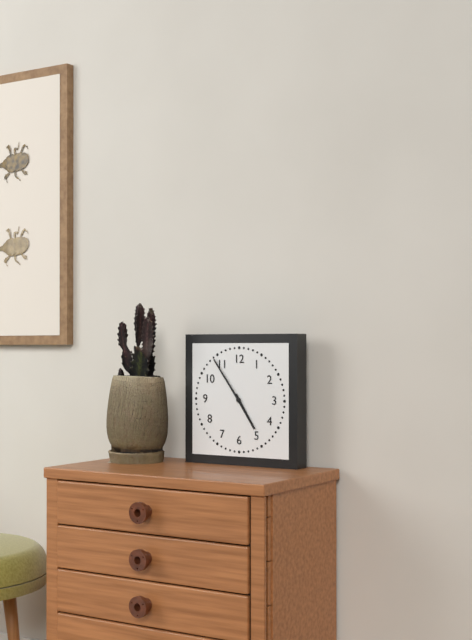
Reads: 4h54
